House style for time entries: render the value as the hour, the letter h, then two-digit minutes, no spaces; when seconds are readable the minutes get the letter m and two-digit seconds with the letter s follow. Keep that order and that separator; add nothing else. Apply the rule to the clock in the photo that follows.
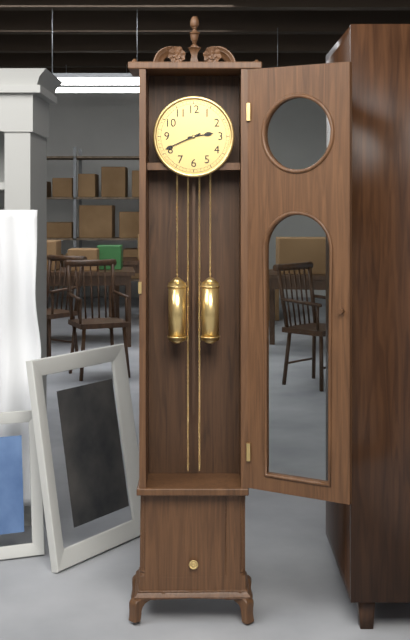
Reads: 2h41
